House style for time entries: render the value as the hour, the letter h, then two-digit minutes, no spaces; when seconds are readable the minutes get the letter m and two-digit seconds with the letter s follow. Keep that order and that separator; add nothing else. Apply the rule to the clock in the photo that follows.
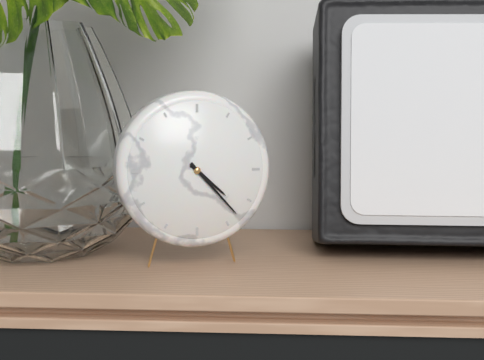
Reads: 4h23
